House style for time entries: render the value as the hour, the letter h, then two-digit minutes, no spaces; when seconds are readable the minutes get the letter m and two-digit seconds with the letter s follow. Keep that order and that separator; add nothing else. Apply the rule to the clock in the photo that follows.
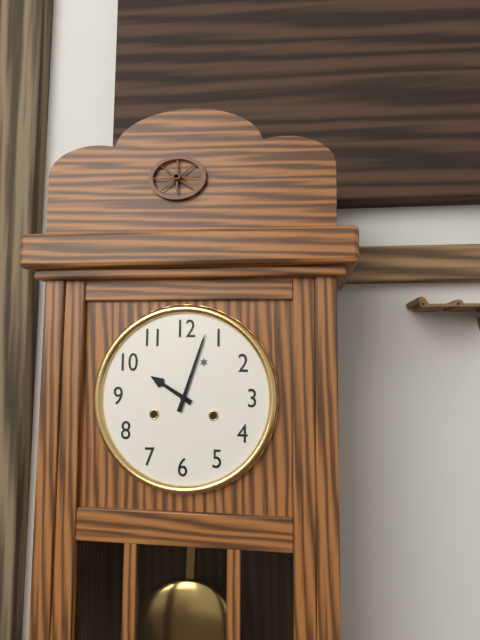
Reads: 10h03
